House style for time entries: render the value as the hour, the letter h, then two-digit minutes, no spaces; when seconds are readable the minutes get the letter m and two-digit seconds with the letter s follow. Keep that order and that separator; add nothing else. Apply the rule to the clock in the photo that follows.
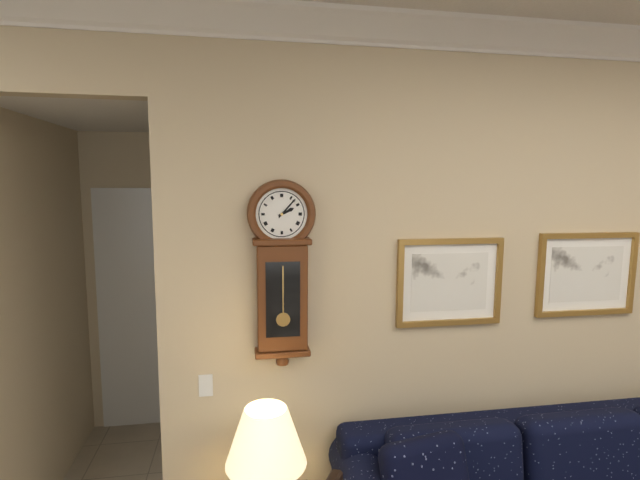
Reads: 2h07
